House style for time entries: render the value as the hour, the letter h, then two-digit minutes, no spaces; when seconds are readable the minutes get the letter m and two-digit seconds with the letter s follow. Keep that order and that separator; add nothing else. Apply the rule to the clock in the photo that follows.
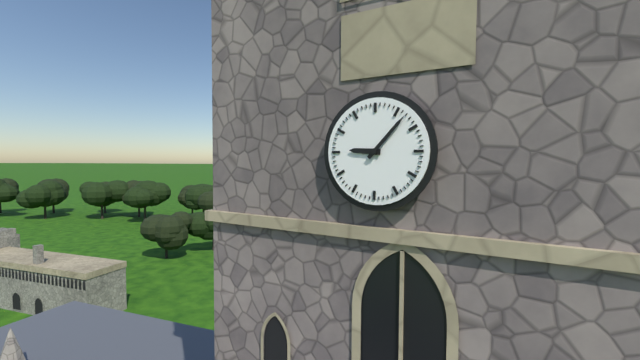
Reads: 9h07
